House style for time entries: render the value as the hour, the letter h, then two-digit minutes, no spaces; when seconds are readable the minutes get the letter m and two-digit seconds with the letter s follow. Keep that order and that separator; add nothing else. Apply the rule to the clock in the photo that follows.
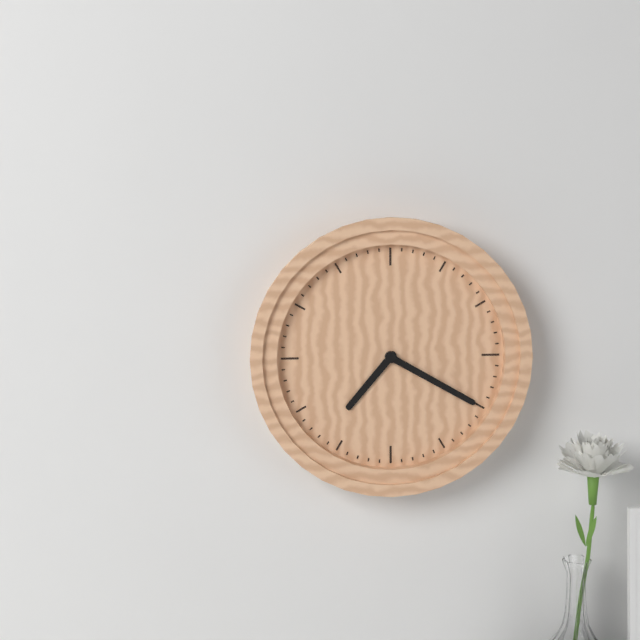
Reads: 7h20
